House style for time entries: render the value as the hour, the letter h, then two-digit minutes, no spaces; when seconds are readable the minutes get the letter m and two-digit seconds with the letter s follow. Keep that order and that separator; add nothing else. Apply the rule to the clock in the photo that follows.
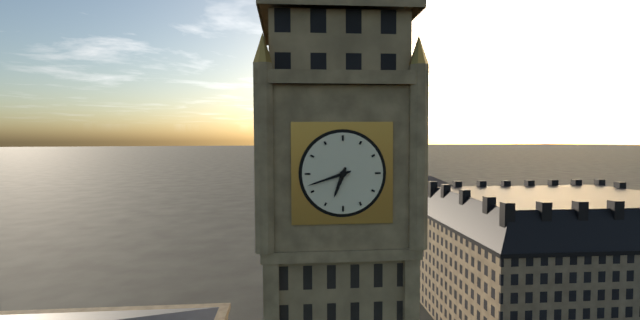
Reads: 6h42
